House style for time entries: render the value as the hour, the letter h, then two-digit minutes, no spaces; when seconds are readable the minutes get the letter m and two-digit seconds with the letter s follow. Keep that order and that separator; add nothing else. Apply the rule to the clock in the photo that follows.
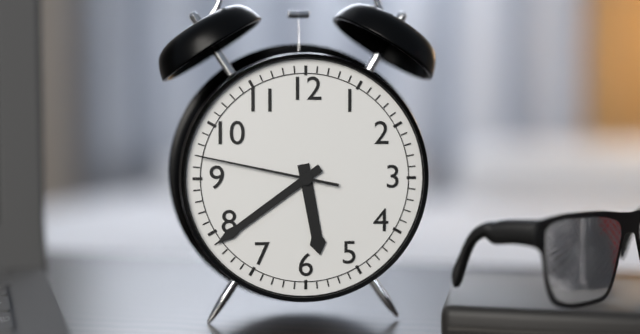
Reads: 5h39m47s
